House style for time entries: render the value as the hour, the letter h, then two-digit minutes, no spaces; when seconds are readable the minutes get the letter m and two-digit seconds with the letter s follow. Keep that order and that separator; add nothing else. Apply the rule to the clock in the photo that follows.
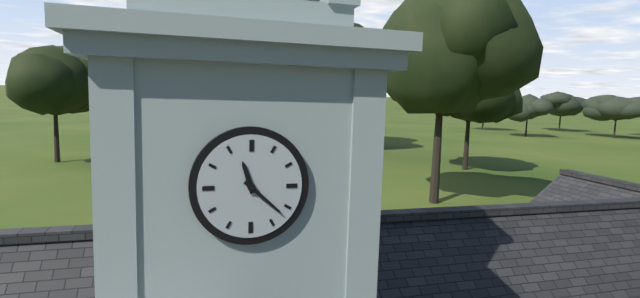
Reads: 11h22
